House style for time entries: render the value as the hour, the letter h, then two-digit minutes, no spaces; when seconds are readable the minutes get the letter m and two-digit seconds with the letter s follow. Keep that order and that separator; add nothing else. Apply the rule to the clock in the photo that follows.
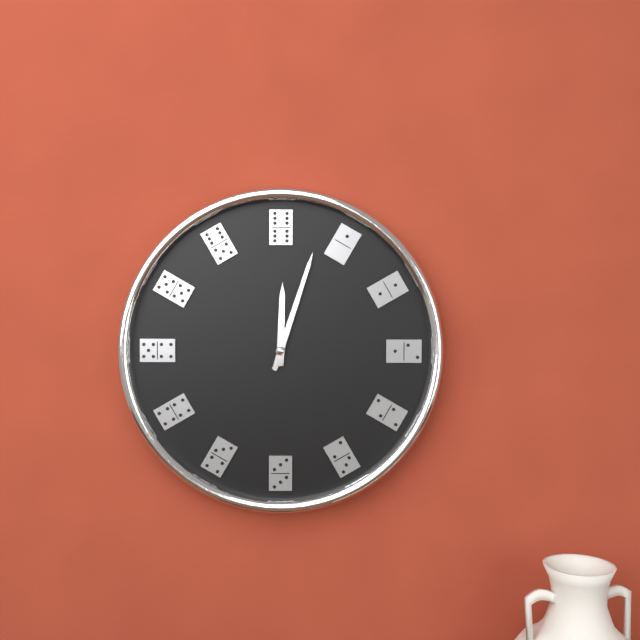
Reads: 12h03
